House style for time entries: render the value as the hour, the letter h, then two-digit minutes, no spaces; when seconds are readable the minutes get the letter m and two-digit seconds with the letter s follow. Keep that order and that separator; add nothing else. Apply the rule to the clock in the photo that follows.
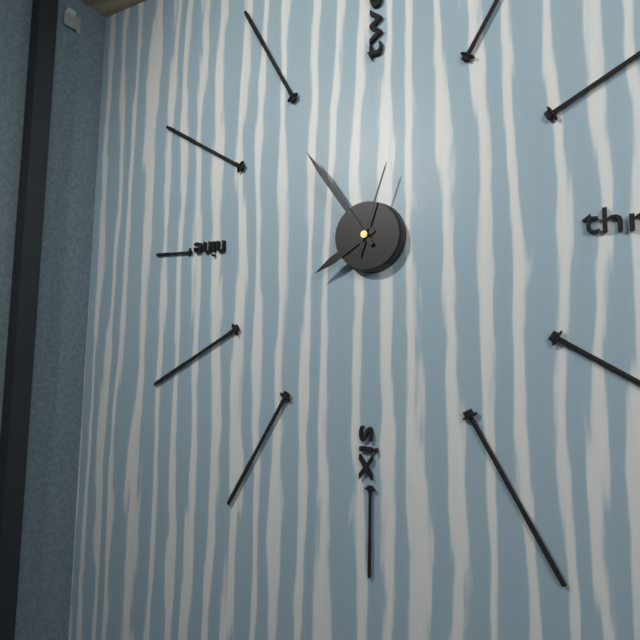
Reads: 7h54m03s
